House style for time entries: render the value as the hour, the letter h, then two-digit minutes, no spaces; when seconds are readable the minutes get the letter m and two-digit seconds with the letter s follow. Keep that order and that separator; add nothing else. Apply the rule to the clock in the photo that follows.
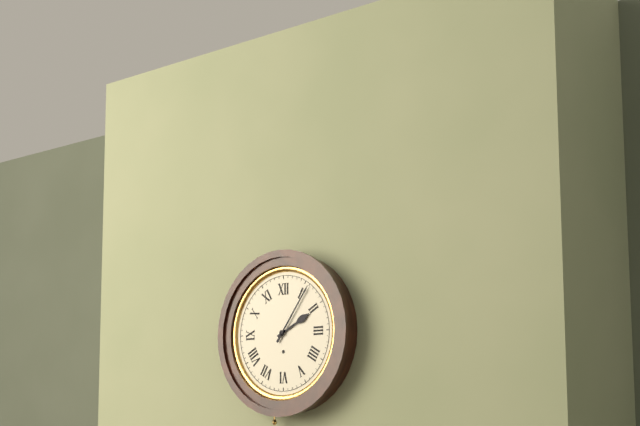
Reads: 2h06
